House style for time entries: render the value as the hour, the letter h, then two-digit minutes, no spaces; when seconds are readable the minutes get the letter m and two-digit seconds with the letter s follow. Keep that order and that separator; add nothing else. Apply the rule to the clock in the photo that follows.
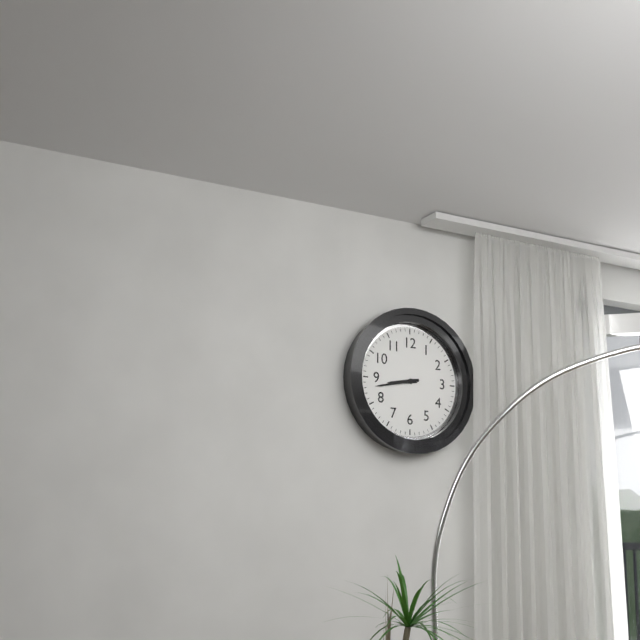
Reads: 8h43
